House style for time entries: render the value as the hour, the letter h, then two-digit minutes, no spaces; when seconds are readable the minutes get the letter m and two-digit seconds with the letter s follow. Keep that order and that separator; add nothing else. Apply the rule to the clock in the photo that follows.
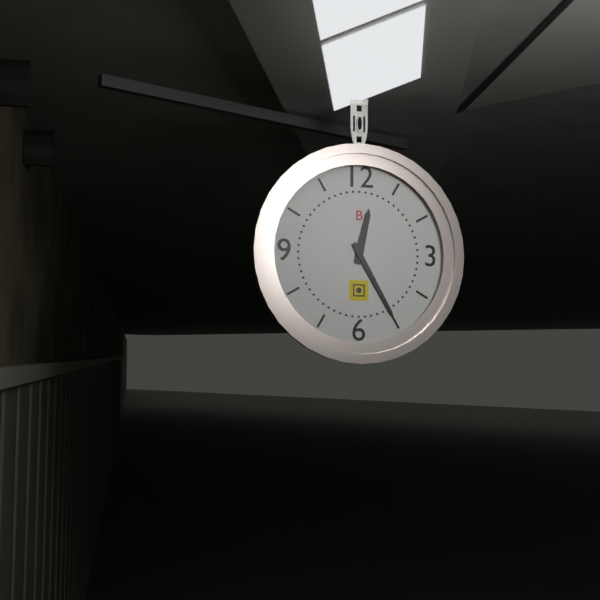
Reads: 12h25
